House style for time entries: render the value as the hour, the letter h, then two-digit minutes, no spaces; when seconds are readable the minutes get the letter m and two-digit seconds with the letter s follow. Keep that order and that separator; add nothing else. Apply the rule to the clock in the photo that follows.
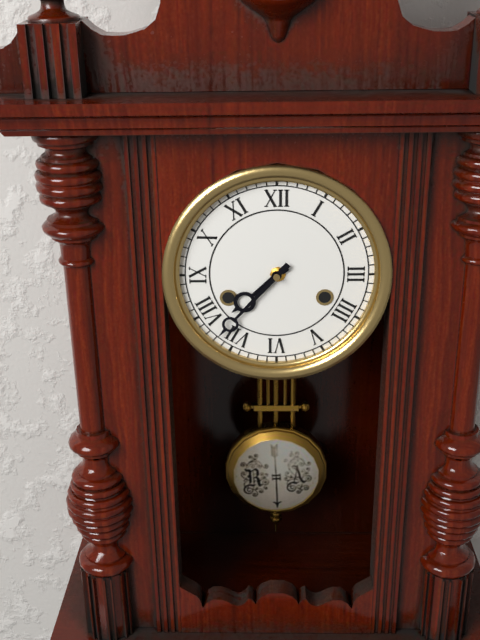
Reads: 7h37
